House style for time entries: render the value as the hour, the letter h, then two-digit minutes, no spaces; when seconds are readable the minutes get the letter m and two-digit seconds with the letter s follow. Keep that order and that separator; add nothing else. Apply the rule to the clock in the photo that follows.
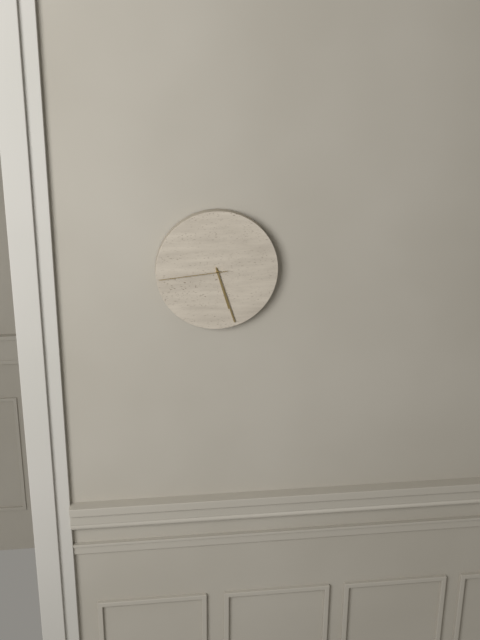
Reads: 5h27m44s
